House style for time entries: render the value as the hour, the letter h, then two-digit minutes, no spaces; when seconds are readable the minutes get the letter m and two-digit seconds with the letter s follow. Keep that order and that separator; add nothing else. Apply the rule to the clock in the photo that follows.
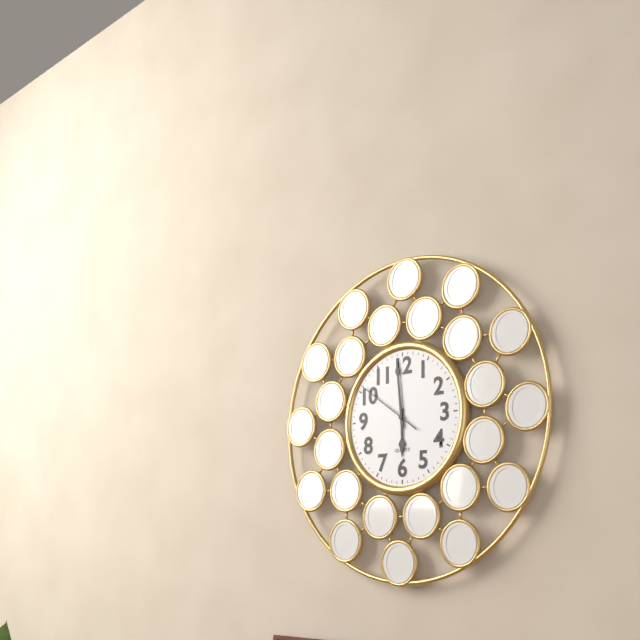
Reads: 5h59m51s
